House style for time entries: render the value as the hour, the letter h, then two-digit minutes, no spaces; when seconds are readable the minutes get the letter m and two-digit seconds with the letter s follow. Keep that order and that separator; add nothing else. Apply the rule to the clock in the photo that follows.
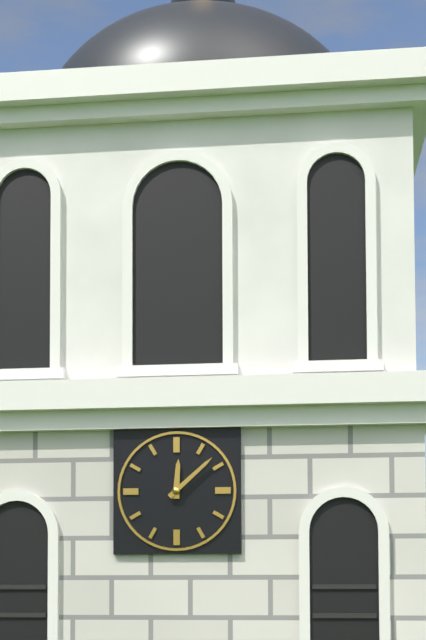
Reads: 12h08
